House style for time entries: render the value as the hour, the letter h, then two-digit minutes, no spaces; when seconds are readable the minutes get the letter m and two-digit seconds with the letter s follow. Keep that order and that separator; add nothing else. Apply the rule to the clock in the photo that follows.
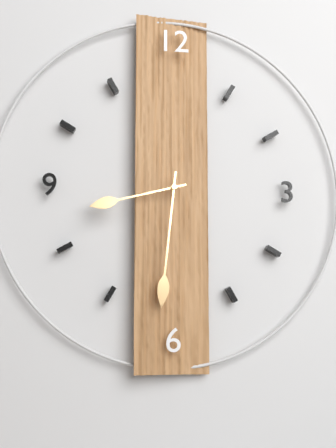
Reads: 8h31
